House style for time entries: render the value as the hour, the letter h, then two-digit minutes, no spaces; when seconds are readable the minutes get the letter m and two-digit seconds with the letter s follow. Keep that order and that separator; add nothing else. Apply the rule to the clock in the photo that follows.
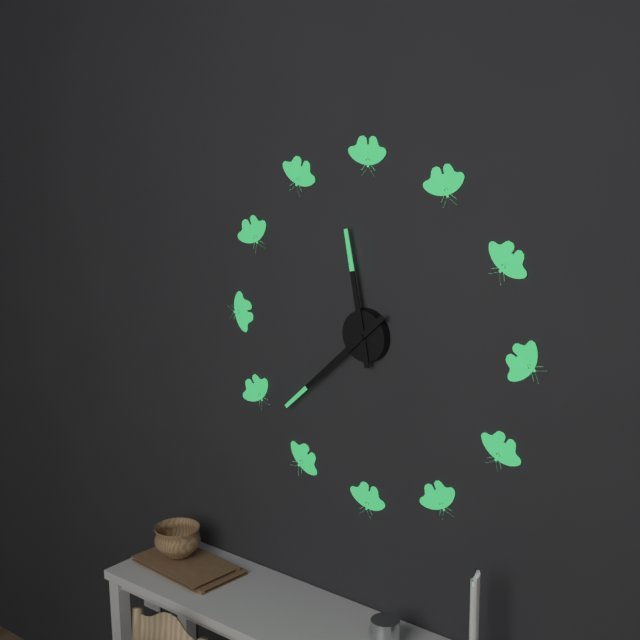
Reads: 11h38
